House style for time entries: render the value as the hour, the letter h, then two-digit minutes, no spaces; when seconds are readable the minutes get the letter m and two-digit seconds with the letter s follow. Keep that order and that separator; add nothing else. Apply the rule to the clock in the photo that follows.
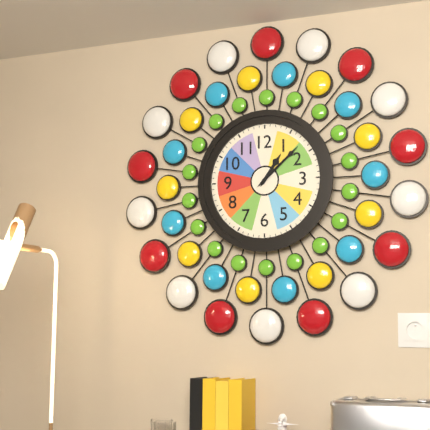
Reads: 1h08
